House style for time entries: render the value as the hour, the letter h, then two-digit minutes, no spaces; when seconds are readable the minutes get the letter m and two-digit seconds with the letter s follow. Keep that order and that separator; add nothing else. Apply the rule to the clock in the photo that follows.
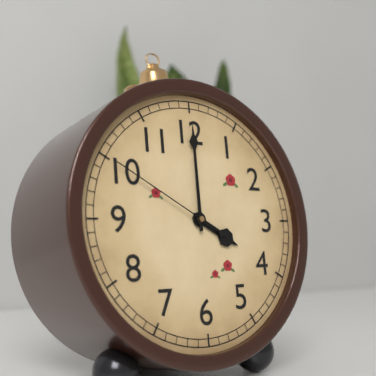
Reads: 4h00m50s
